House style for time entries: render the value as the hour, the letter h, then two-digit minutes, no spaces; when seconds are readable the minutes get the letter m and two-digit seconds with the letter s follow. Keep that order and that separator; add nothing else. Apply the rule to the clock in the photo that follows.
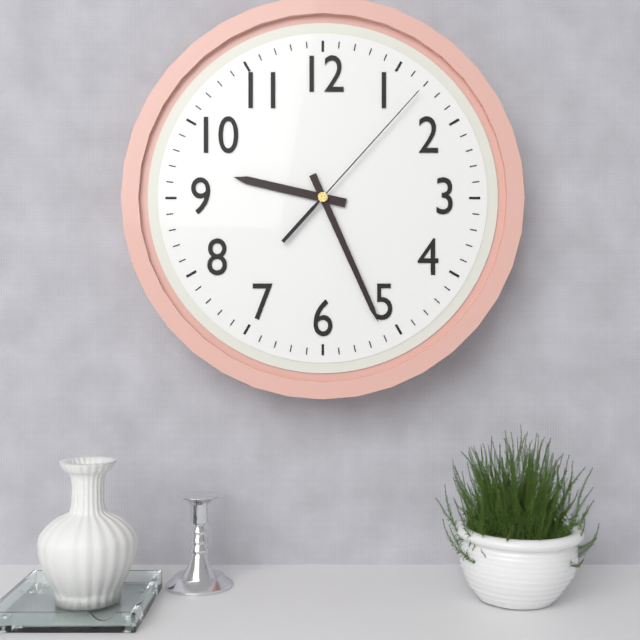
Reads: 9h26m07s
